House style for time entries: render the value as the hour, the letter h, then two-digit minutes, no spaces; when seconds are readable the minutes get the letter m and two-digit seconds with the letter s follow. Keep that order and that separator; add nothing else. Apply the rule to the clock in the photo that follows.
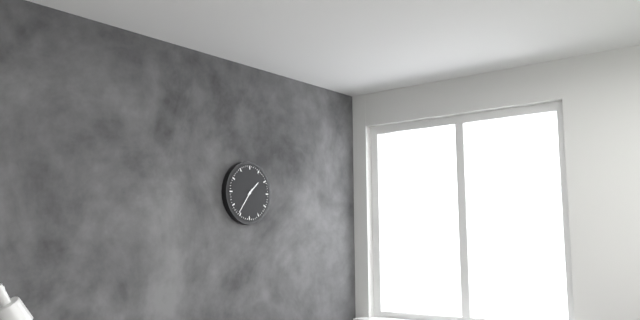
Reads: 1h36
